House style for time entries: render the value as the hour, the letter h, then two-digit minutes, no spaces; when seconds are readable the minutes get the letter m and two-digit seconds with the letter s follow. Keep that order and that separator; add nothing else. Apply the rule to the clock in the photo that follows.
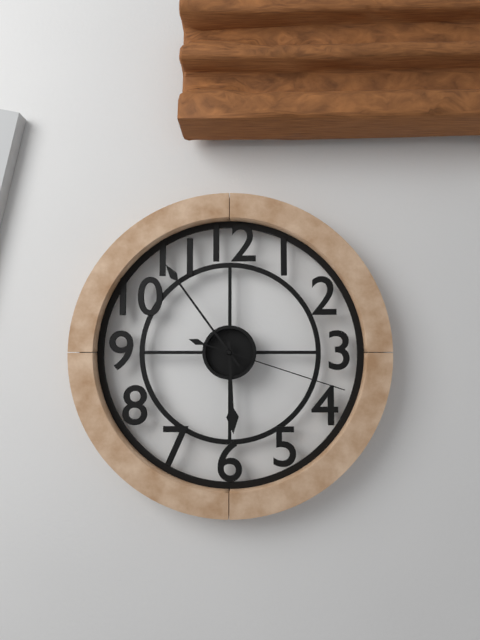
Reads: 5h54m18s
